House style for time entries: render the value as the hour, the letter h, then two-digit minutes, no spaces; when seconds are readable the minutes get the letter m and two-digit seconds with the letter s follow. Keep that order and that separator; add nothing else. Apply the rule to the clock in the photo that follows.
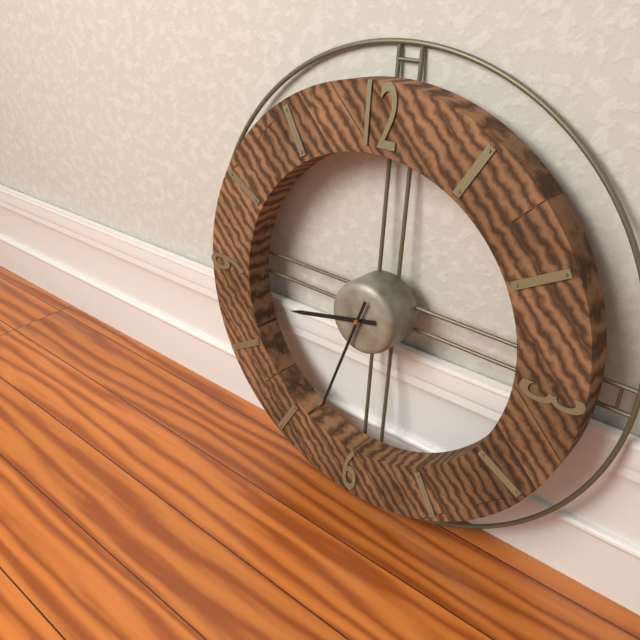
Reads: 8h33
